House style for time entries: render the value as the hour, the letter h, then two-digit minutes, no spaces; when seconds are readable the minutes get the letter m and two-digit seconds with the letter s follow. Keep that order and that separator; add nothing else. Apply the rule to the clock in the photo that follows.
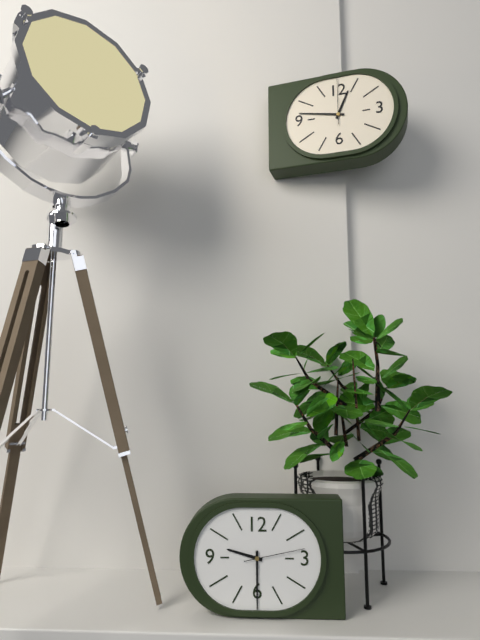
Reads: 9h30m13s
